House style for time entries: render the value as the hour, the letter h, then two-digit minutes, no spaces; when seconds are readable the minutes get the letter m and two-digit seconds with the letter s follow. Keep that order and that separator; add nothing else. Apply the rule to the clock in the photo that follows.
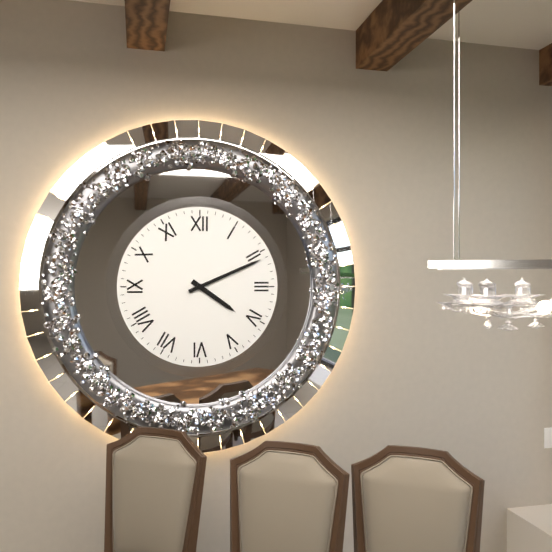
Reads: 4h11
